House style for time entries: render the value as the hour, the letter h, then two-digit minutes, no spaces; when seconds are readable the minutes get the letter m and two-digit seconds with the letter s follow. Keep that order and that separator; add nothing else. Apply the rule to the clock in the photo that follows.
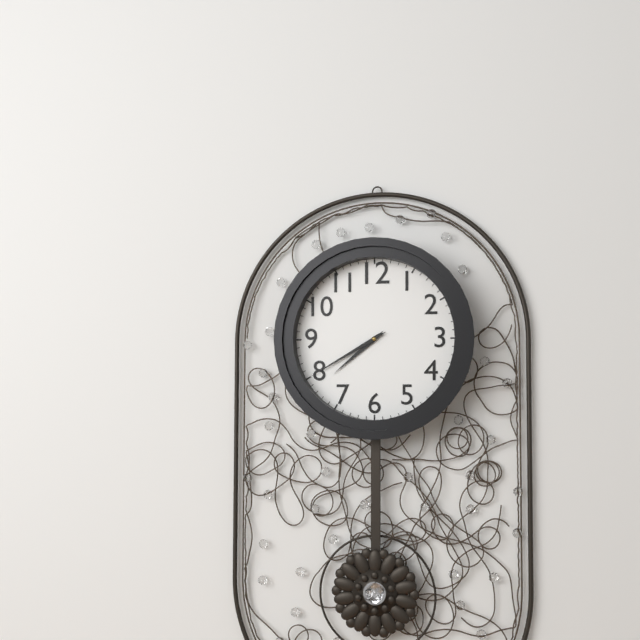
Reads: 7h40
